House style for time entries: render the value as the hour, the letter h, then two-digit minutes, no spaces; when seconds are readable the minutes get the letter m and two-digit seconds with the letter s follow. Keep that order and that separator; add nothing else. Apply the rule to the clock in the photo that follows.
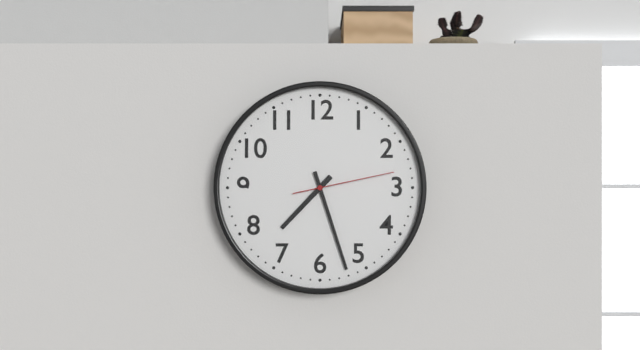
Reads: 7h27m13s
